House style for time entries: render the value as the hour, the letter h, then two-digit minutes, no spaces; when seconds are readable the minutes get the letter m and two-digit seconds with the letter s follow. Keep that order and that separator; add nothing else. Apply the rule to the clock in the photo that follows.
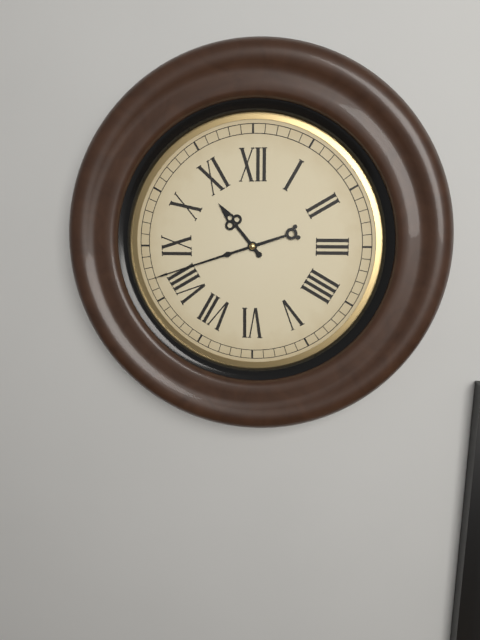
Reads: 10h42
